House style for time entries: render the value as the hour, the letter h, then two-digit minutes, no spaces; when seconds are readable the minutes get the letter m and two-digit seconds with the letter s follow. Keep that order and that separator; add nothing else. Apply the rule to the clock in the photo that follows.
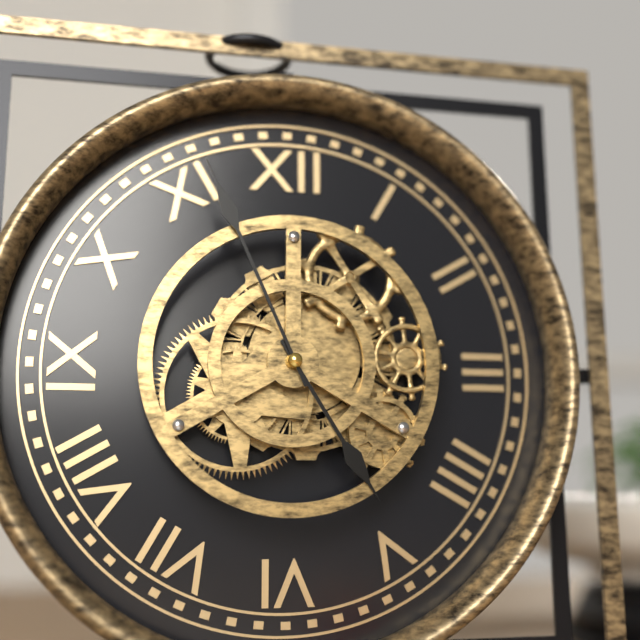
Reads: 4h56
